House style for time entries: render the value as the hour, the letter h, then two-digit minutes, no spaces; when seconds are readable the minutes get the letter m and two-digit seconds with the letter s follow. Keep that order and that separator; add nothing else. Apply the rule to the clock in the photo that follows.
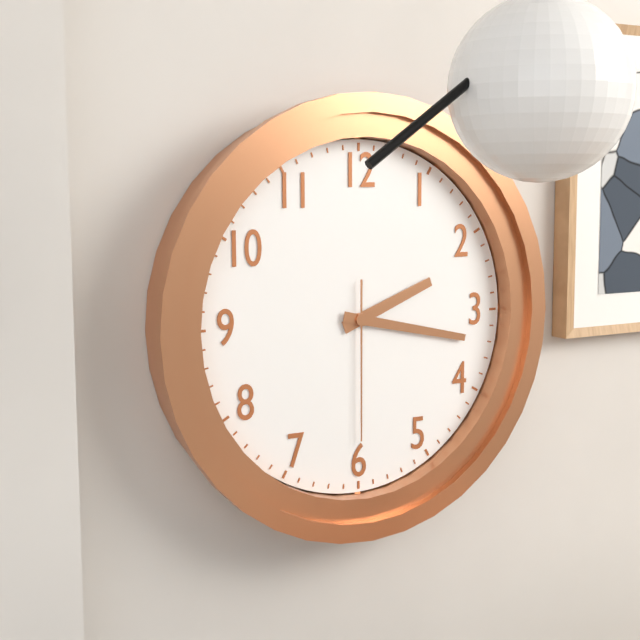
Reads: 2h17m30s
